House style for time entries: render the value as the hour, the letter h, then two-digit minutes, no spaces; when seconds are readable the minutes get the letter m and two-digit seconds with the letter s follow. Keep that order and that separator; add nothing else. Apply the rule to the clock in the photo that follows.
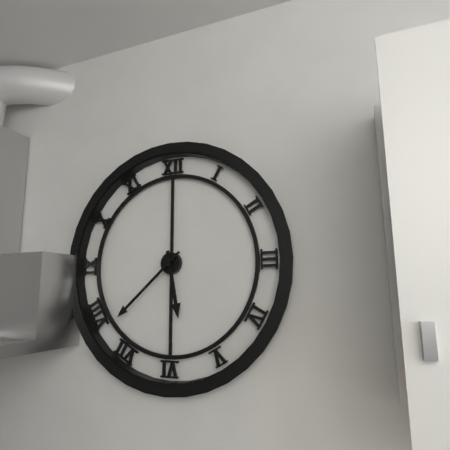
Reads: 5h38
